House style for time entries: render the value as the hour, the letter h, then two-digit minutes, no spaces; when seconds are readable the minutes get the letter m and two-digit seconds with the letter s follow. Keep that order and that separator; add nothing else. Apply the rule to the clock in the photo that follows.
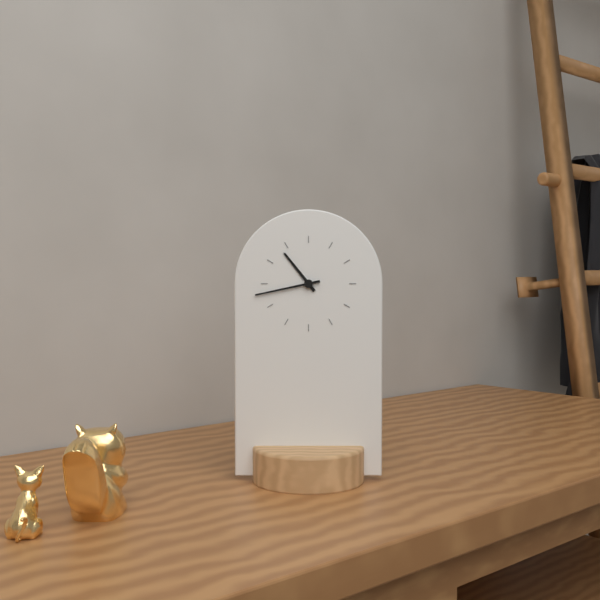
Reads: 10h43
